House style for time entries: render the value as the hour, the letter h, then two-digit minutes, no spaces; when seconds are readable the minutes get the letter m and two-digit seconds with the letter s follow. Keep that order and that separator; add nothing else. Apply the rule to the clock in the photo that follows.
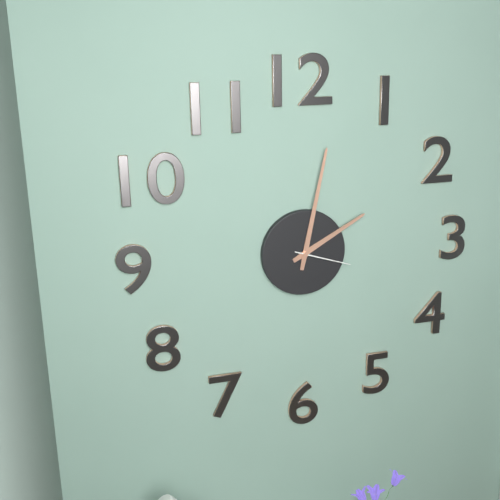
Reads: 2h02m18s
